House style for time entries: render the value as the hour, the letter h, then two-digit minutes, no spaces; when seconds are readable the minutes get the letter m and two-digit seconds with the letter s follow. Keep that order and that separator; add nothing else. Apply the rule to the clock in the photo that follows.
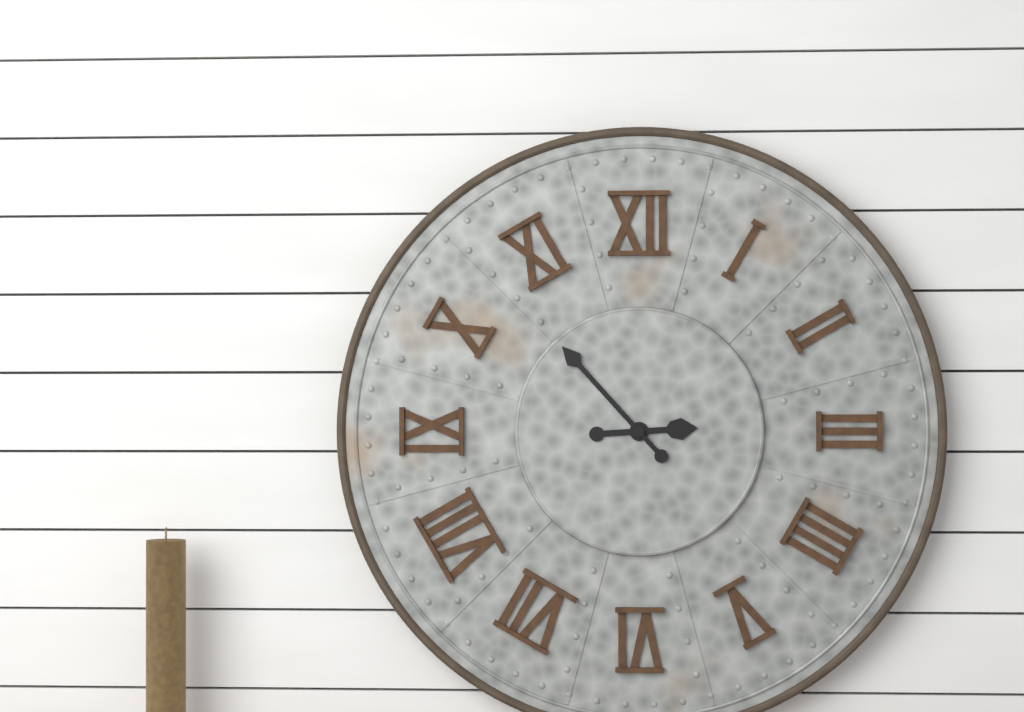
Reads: 2h53
